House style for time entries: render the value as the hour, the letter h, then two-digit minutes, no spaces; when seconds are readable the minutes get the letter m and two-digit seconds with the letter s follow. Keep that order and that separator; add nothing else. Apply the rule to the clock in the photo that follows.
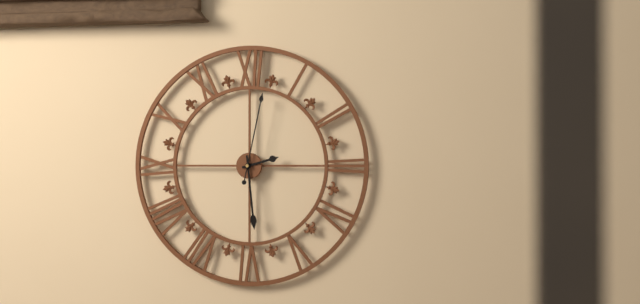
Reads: 2h29m02s
